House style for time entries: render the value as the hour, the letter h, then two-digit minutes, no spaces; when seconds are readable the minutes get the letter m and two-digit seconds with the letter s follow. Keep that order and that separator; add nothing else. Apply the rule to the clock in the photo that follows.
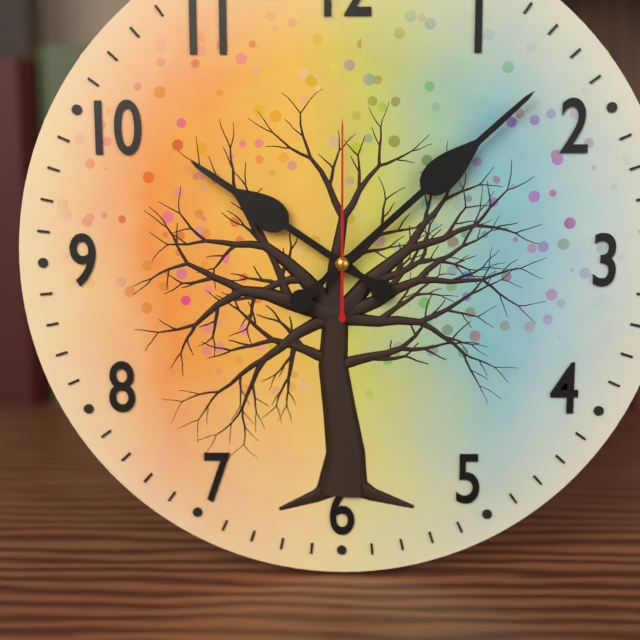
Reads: 10h08m00s
